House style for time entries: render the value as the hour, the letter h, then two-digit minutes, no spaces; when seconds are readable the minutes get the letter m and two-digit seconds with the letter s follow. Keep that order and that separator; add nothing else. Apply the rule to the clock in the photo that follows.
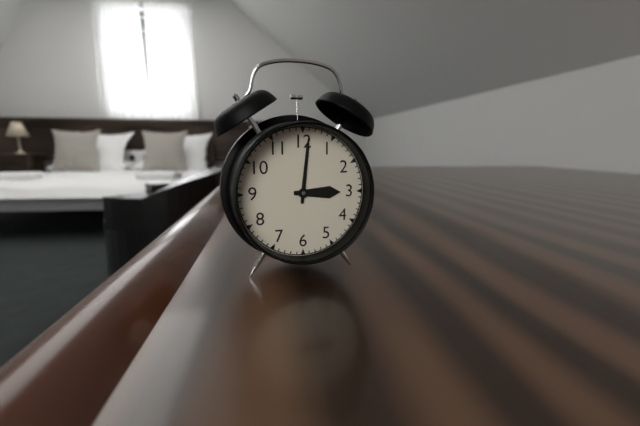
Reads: 3h01
